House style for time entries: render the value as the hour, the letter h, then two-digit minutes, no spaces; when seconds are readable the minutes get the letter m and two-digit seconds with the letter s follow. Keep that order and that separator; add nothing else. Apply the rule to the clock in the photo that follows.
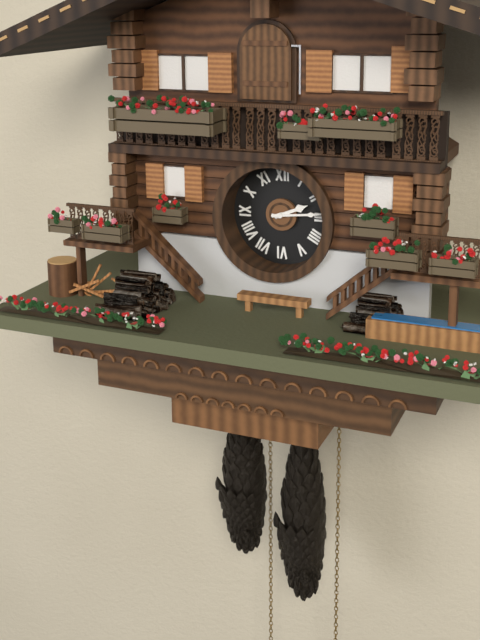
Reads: 2h14
